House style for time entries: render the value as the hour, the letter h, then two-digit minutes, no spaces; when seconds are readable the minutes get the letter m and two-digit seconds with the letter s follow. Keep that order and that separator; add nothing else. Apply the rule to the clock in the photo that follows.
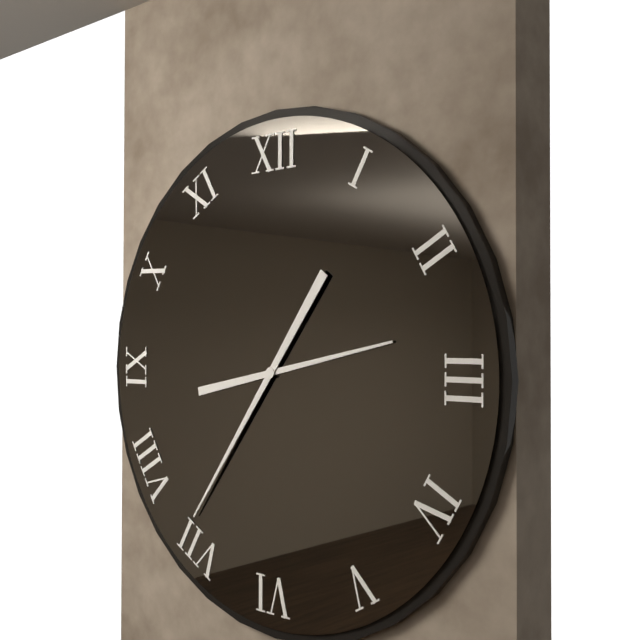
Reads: 2h36
